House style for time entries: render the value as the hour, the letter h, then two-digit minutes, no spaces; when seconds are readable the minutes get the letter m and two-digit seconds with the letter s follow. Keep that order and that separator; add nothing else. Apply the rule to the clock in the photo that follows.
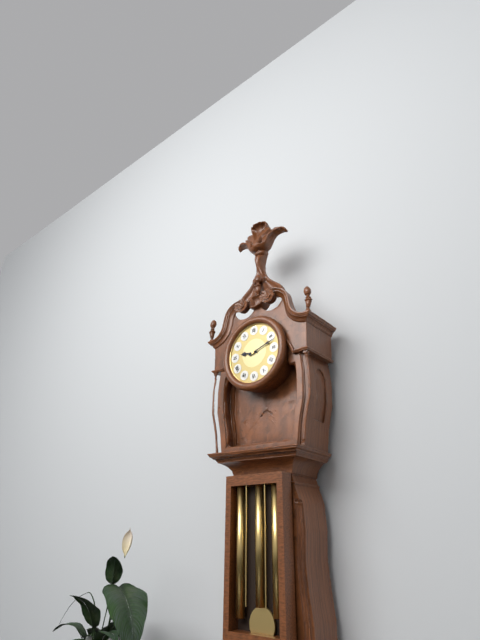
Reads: 9h12
